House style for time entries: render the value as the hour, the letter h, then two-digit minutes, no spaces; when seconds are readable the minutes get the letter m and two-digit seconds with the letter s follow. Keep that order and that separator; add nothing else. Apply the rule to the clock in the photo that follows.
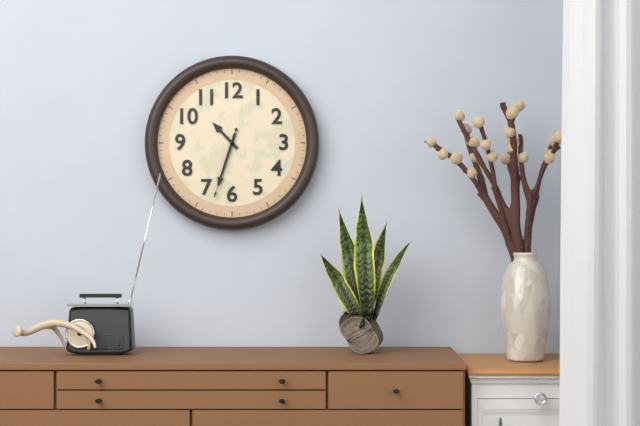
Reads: 10h33m33s
